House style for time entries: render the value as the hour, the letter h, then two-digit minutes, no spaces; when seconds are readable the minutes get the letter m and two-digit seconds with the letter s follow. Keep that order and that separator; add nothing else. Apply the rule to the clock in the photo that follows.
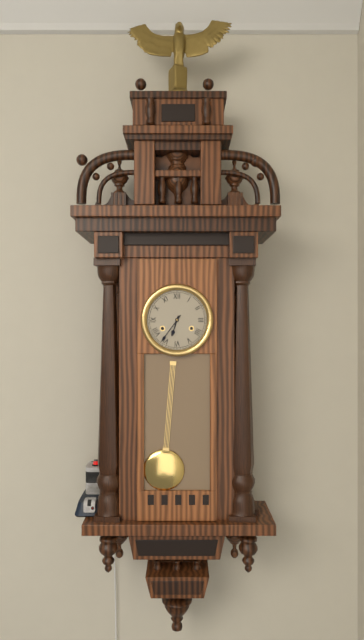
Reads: 6h36
